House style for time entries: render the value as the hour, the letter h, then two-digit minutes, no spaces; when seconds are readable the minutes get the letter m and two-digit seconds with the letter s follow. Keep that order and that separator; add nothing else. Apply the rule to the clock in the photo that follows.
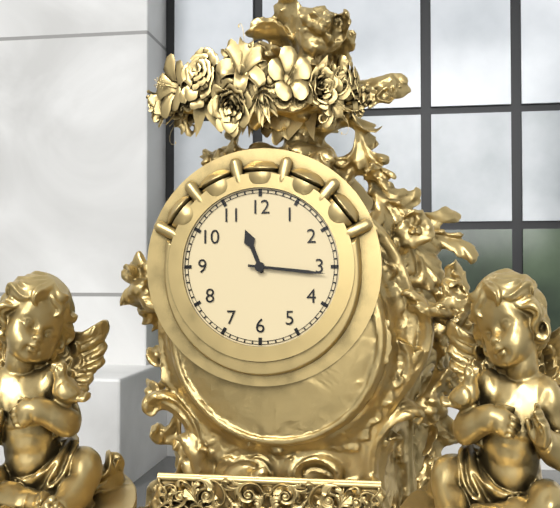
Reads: 11h16
